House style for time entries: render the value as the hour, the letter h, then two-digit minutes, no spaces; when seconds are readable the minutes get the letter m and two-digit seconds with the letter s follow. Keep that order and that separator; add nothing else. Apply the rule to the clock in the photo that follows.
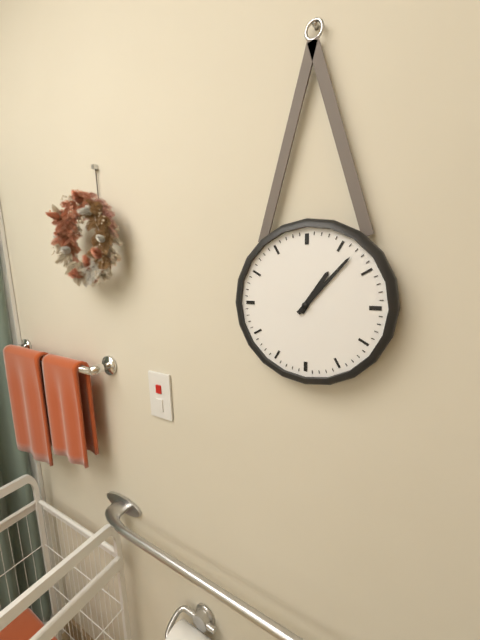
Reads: 1h07
